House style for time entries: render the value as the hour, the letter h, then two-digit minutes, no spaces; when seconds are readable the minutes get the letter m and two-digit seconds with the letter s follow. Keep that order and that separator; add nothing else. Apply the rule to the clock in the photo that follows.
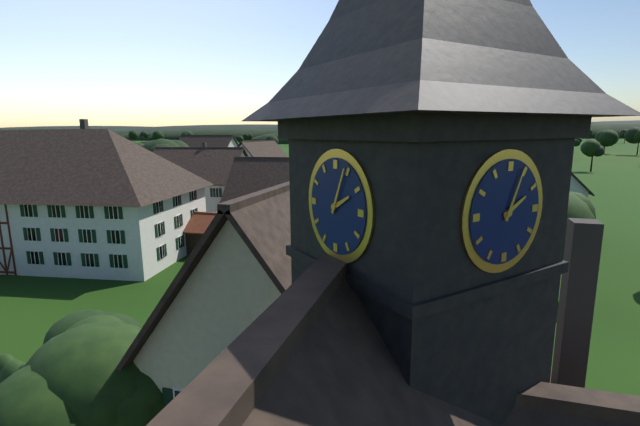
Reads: 2h04
